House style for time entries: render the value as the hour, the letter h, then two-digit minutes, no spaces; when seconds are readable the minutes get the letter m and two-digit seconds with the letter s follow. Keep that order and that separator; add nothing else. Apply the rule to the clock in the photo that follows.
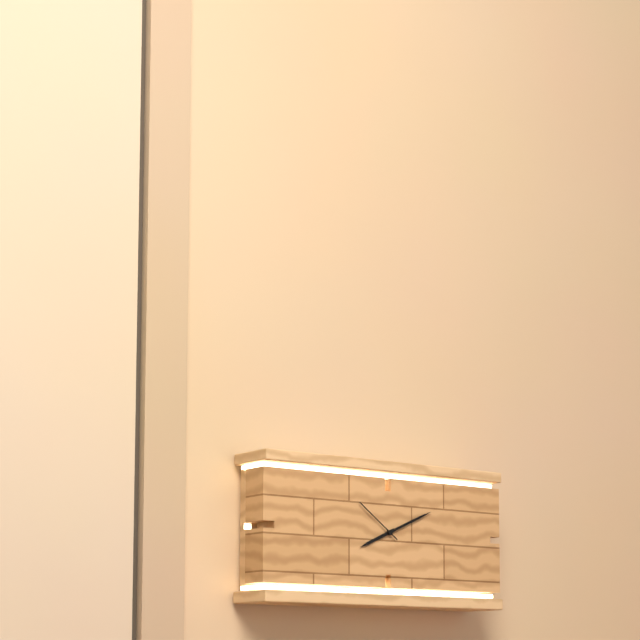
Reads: 8h11
